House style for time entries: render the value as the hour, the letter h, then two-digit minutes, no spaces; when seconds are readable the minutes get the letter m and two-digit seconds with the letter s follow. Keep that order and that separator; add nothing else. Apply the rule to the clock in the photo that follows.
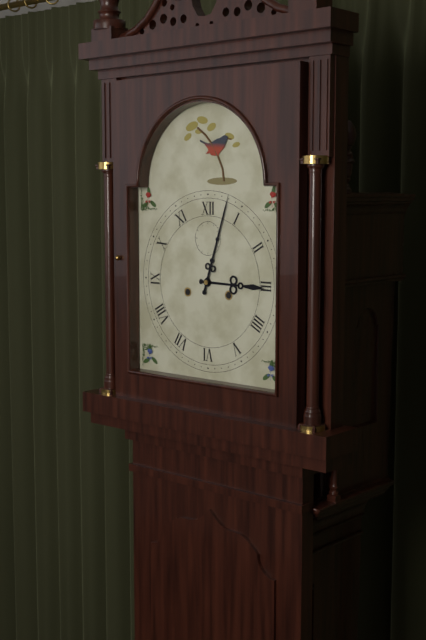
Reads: 3h03
